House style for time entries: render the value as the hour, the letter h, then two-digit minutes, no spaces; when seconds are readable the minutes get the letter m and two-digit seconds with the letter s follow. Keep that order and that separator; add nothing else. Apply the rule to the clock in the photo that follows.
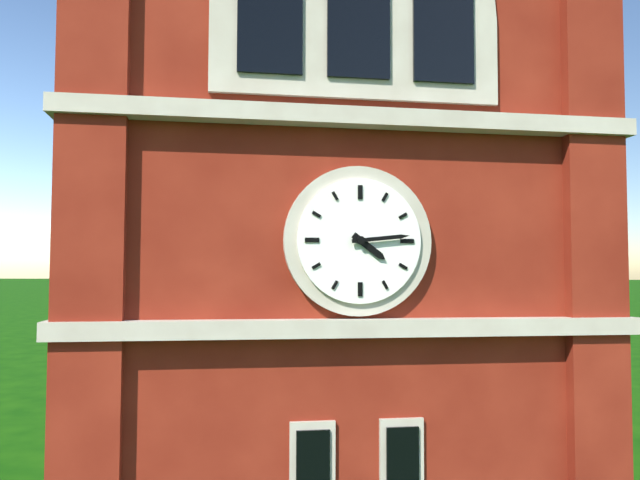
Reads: 4h14
